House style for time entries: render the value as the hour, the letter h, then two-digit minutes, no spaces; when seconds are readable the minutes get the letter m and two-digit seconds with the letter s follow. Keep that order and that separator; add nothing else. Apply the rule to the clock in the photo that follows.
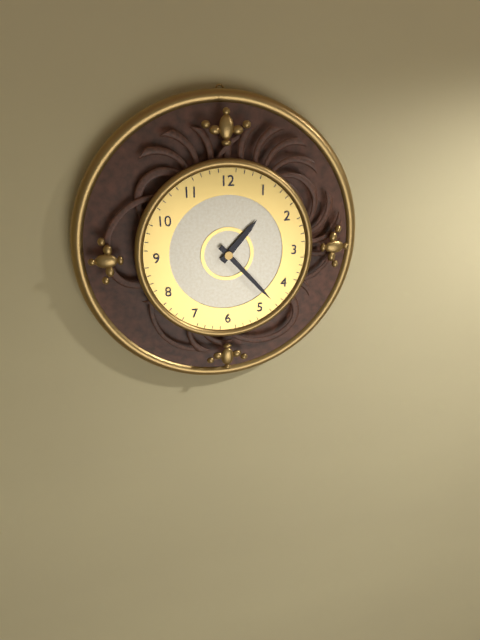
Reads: 1h23
